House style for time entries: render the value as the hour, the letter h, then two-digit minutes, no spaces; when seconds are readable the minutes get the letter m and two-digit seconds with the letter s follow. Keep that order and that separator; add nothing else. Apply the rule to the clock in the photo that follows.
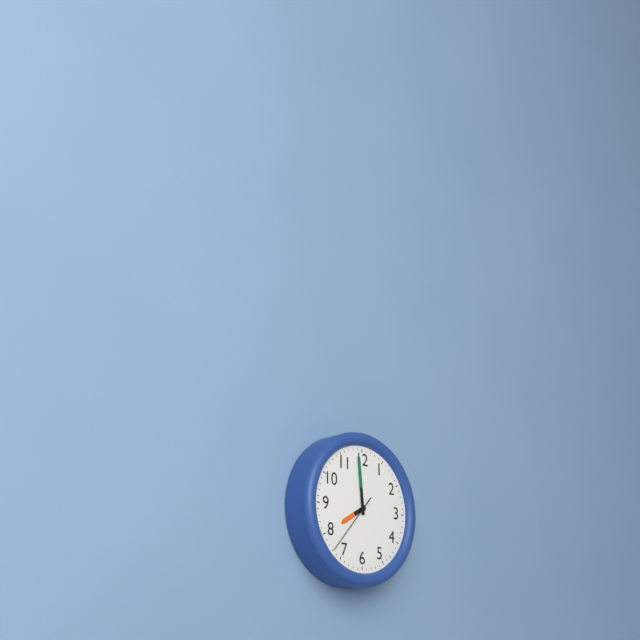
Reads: 7h59m37s
